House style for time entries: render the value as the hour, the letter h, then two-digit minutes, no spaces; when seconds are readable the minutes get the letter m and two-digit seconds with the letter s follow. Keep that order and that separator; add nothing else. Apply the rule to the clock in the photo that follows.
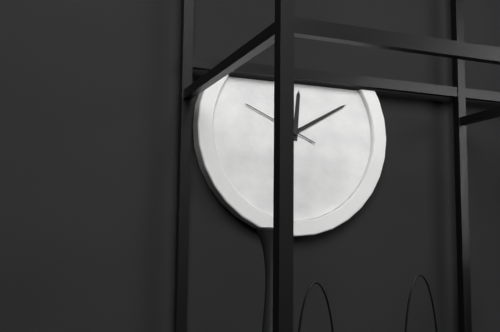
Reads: 12h10m49s
